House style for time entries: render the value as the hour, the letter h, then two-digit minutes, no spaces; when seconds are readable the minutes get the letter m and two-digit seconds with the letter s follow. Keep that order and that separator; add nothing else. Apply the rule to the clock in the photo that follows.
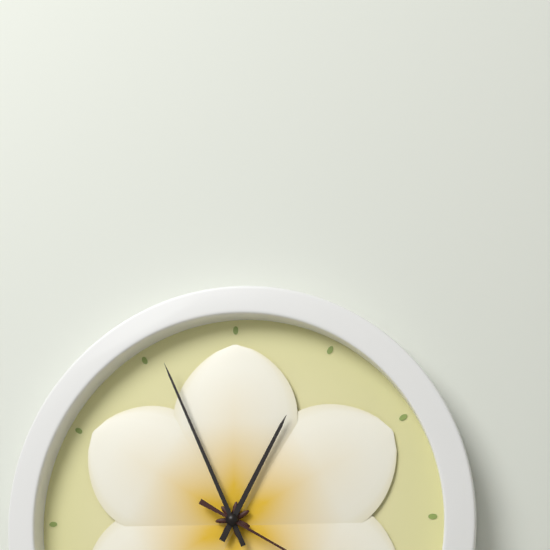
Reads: 12h56
